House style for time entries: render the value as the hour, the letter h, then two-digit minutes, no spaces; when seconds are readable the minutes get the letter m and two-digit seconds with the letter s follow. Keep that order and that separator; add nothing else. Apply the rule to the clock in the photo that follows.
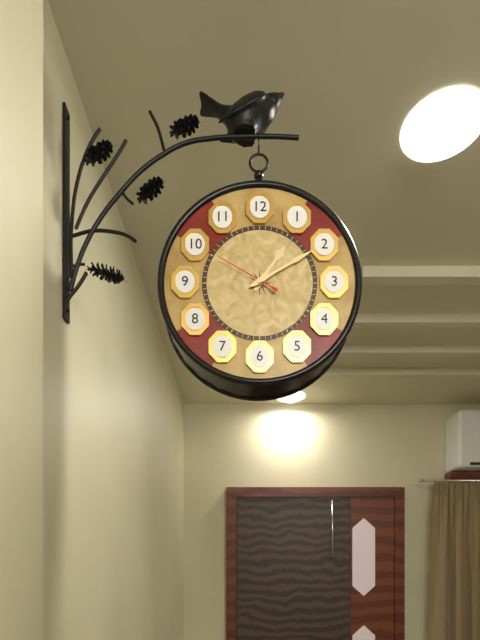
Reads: 1h10m50s
